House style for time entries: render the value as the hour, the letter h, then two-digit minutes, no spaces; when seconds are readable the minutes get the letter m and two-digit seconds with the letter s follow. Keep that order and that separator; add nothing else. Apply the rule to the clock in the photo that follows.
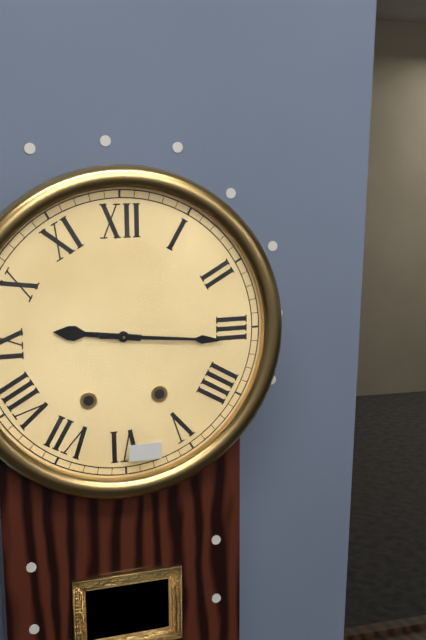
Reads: 9h16
